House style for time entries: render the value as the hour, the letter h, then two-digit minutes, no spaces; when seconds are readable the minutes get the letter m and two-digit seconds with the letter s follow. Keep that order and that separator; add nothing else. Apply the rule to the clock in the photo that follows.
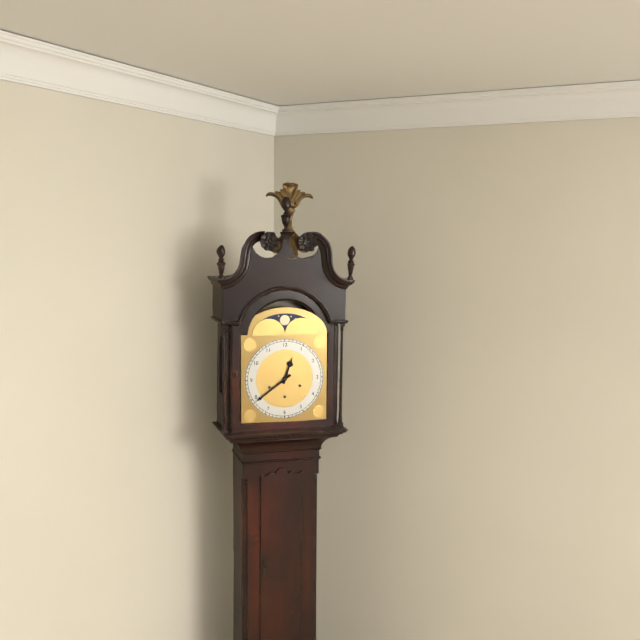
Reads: 12h39
